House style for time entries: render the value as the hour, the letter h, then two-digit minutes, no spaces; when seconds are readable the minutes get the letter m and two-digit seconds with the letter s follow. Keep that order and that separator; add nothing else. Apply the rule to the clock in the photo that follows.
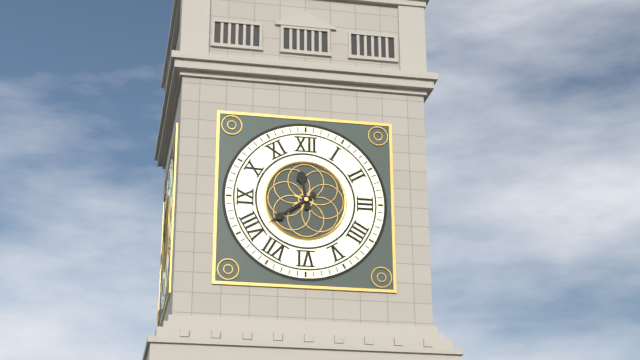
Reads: 11h39
